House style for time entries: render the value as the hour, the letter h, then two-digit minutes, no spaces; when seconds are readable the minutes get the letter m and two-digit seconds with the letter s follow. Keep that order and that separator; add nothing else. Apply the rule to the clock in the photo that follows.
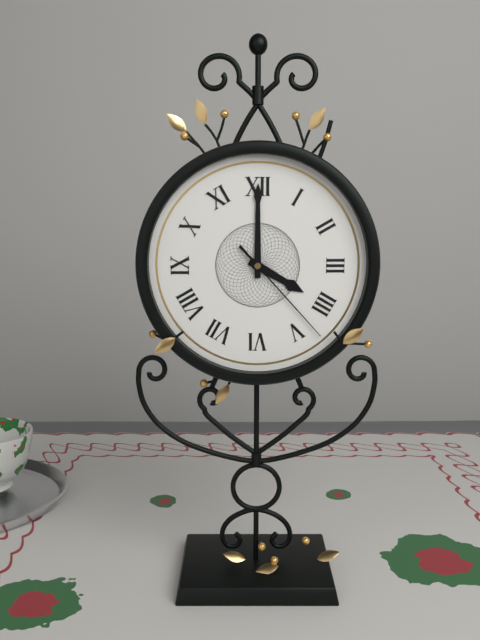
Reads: 4h00m23s
